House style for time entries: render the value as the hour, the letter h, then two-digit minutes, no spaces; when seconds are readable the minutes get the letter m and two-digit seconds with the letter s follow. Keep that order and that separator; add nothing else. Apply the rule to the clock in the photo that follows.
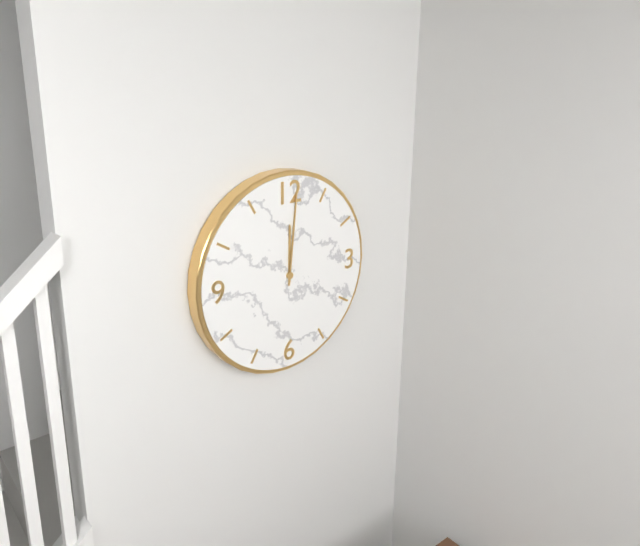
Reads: 12h01
